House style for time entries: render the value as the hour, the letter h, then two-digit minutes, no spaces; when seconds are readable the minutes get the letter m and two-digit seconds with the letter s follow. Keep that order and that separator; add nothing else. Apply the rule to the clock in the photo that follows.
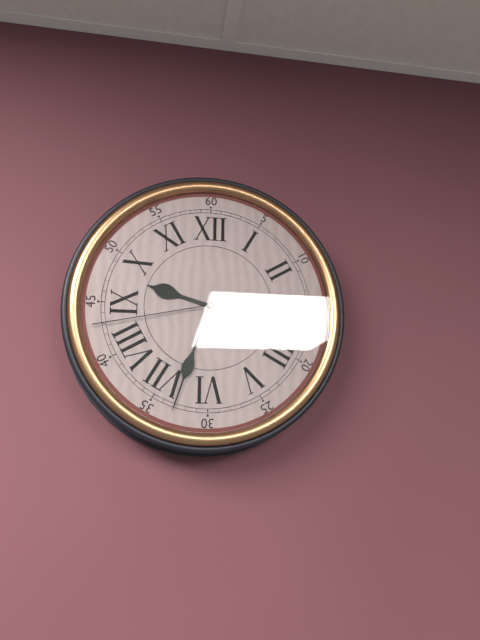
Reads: 9h33m43s
